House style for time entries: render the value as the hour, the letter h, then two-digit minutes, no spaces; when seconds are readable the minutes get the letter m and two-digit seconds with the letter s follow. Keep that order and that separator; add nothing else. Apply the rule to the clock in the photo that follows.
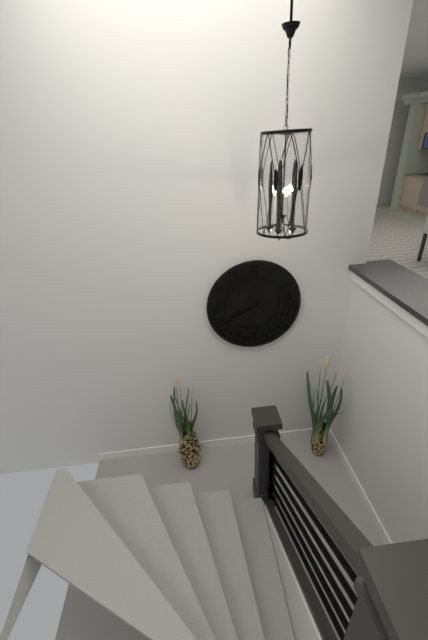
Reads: 7h40m01s
